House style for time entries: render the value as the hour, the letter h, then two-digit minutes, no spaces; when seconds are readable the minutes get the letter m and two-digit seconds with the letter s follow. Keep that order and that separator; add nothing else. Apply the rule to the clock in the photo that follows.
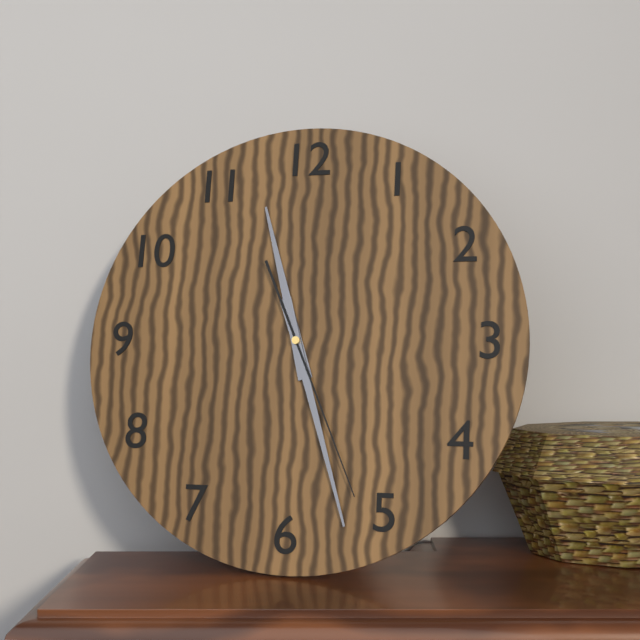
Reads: 11h27m26s
